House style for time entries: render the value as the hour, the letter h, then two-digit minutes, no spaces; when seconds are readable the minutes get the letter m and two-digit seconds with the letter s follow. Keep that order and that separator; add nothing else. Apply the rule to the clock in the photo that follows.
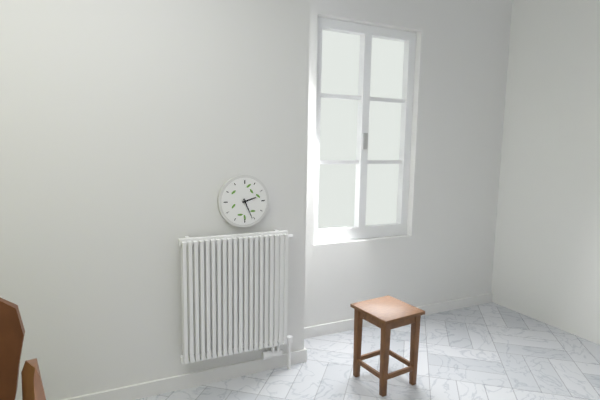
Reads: 2h26
